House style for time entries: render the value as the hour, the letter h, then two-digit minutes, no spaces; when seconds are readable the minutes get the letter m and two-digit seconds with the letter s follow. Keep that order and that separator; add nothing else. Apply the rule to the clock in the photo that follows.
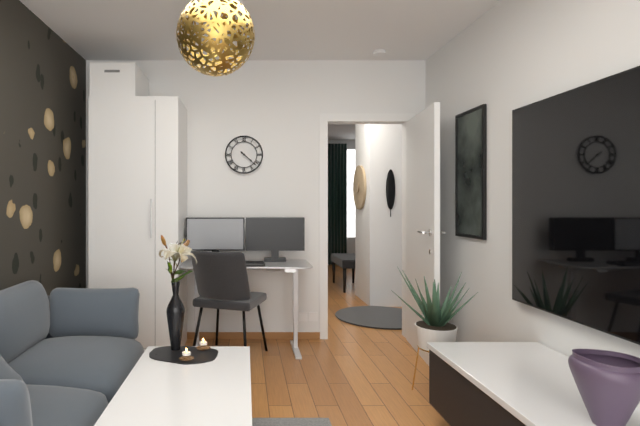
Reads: 4h22
